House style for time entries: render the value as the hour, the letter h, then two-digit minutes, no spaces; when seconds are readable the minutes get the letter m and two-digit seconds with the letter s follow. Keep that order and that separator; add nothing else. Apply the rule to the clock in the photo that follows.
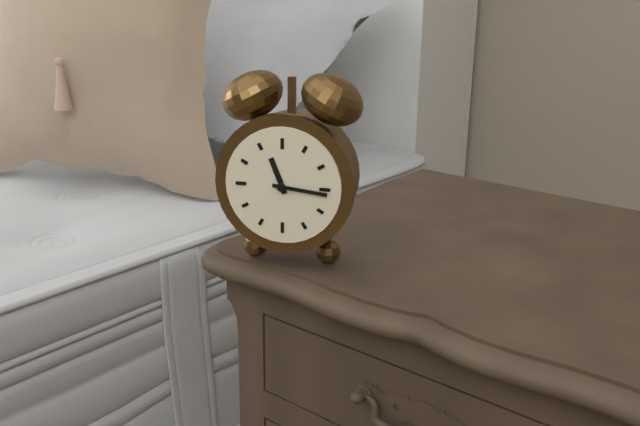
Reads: 11h16
